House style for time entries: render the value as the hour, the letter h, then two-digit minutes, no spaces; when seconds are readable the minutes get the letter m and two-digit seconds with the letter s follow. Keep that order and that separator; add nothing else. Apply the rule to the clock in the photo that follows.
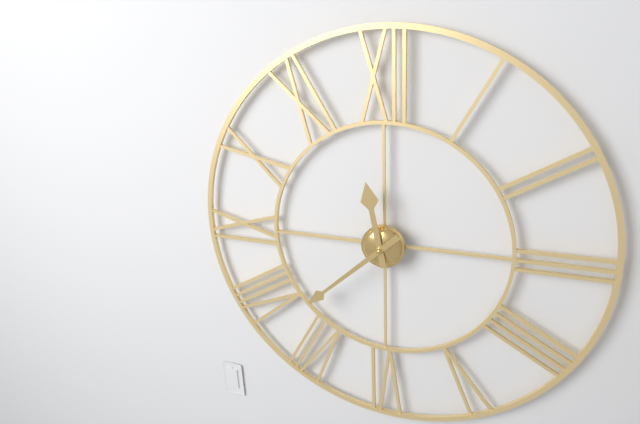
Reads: 11h38
